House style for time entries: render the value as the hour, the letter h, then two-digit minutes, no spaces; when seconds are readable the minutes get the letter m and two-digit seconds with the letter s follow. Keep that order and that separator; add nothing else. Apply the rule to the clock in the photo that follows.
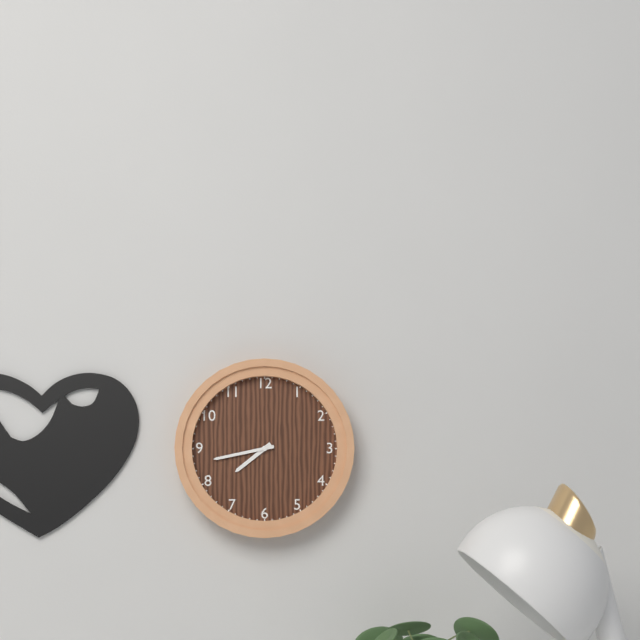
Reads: 7h43
